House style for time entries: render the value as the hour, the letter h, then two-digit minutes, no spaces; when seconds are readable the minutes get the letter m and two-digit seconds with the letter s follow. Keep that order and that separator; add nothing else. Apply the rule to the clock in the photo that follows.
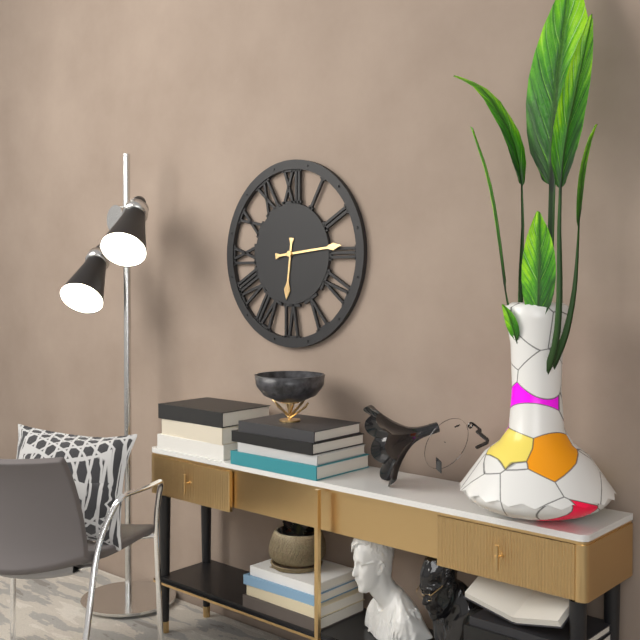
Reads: 6h14
